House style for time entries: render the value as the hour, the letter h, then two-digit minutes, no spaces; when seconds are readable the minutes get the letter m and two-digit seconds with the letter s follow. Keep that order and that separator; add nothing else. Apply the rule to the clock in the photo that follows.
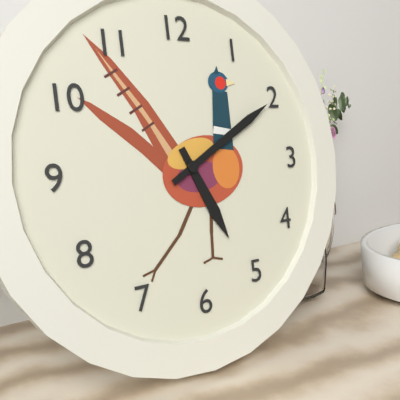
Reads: 5h10
